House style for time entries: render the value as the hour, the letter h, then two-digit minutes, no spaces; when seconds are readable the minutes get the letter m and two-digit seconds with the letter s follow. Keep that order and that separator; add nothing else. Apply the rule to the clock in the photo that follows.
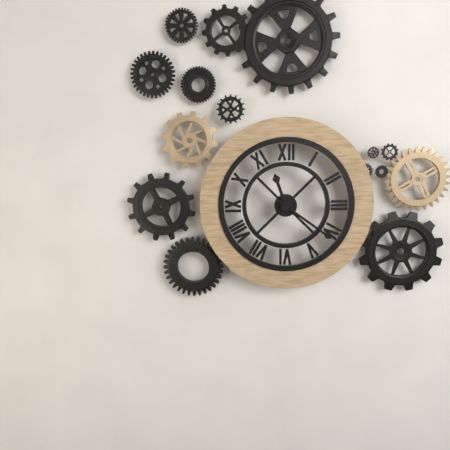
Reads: 11h21
